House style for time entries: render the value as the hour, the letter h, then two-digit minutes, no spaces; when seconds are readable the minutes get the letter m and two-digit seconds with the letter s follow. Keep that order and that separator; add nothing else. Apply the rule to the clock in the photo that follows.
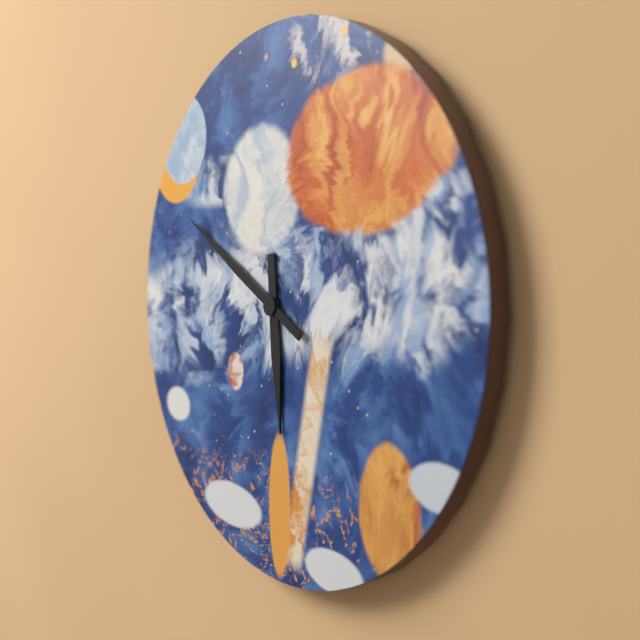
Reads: 5h50
